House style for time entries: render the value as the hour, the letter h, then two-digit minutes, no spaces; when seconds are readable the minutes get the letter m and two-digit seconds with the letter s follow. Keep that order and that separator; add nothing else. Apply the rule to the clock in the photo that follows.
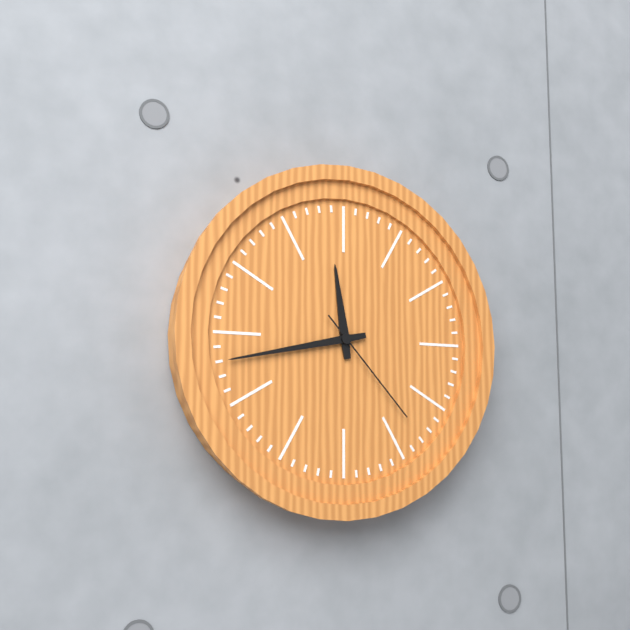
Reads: 11h43m23s
